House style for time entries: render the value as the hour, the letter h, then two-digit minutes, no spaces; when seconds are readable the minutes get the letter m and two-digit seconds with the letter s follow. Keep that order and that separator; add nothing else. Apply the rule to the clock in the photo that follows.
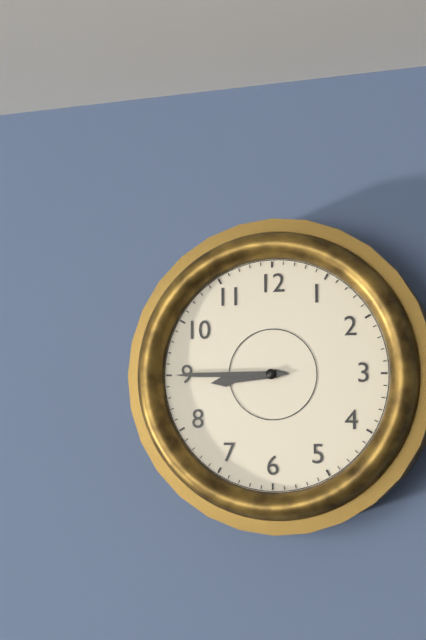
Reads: 8h45
